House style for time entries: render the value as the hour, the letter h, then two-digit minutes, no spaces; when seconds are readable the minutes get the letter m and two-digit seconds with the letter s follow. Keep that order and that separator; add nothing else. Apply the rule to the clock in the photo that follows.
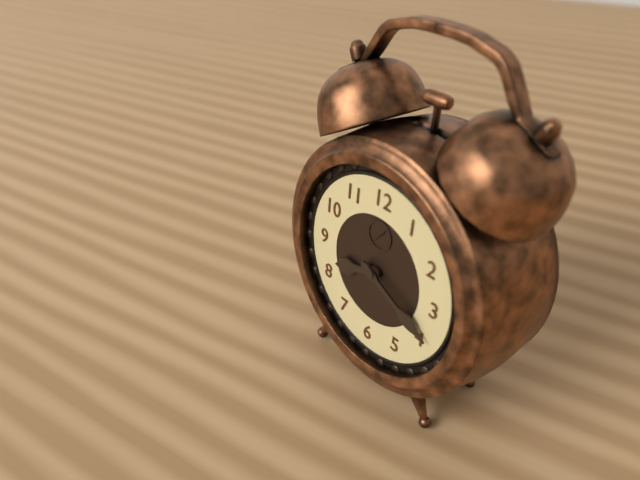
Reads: 8h19
